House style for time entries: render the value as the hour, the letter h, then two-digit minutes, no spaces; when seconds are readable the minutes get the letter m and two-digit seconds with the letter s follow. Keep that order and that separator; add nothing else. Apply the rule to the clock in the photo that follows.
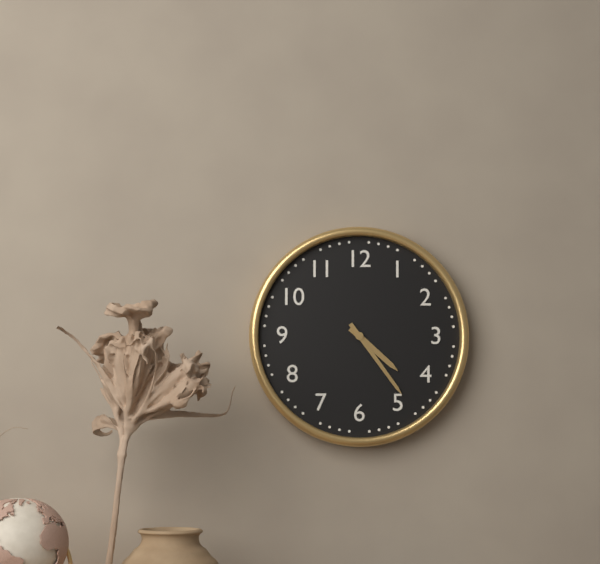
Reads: 4h24
